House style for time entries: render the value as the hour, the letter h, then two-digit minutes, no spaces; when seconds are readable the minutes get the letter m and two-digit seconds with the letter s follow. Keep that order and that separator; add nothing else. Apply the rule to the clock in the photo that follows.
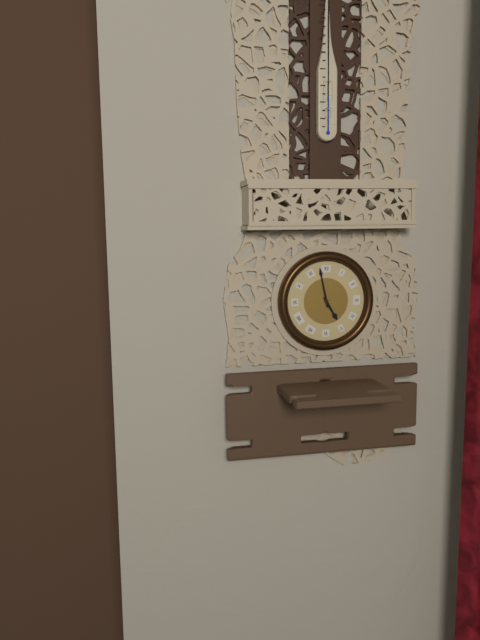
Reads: 4h58
